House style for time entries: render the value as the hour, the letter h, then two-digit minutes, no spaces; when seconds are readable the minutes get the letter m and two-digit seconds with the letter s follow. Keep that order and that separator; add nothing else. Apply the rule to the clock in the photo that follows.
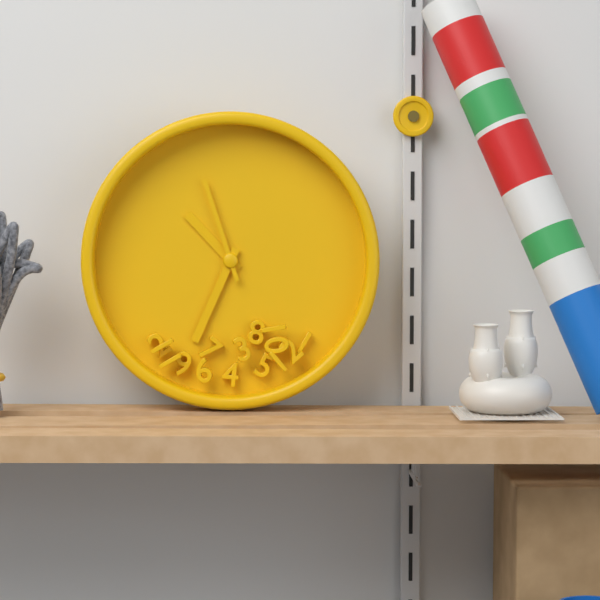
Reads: 10h34m57s
